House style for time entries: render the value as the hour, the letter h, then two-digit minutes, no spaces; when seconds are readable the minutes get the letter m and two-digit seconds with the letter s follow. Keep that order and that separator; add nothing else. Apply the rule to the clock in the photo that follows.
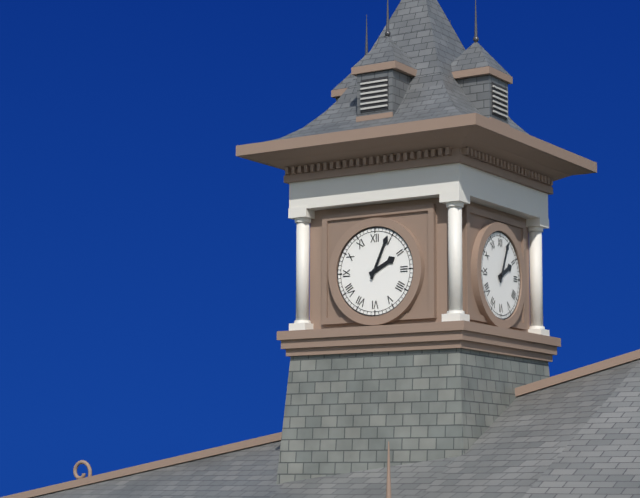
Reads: 2h04
